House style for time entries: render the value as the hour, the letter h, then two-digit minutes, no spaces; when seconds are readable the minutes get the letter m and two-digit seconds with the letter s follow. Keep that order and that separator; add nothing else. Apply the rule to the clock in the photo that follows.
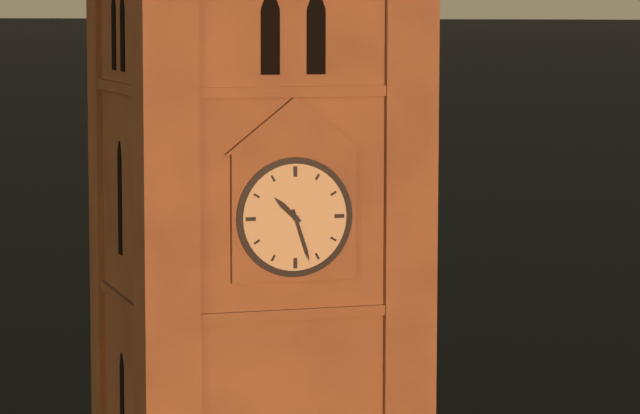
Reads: 10h27
